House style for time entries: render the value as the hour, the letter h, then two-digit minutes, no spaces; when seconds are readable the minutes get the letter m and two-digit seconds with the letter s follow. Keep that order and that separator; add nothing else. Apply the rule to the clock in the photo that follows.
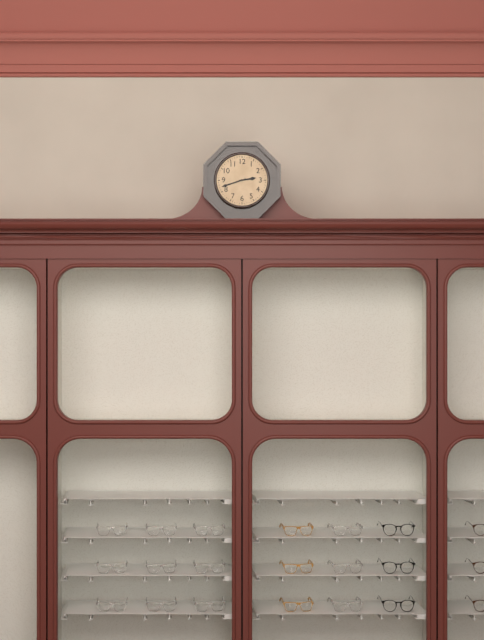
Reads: 2h42
